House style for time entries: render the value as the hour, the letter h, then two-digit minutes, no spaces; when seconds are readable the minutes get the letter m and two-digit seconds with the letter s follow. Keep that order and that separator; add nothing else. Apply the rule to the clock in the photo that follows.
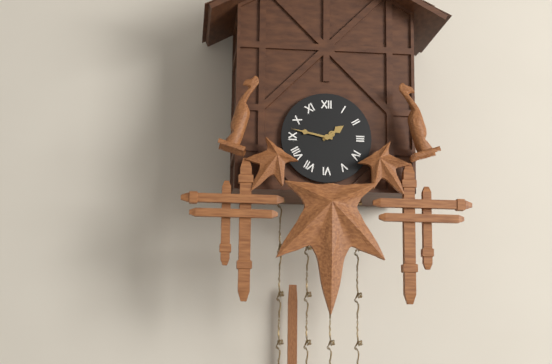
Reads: 1h47
